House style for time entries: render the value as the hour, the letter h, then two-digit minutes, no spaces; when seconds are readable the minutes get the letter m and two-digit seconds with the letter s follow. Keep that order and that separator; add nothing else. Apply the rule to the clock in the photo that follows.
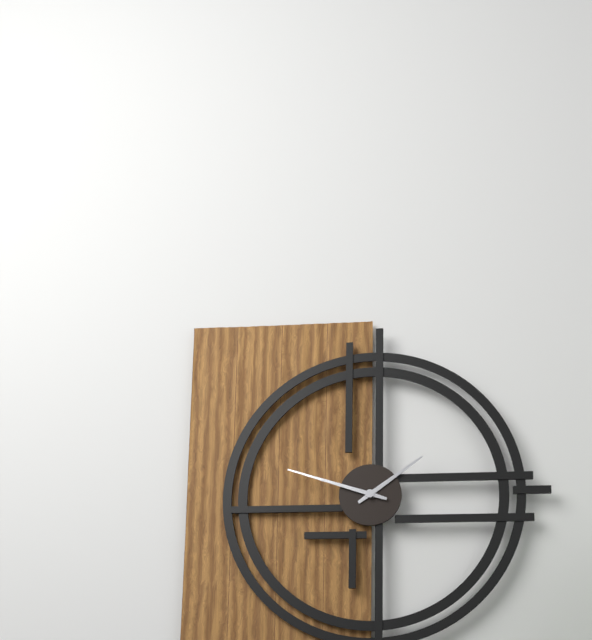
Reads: 1h48
